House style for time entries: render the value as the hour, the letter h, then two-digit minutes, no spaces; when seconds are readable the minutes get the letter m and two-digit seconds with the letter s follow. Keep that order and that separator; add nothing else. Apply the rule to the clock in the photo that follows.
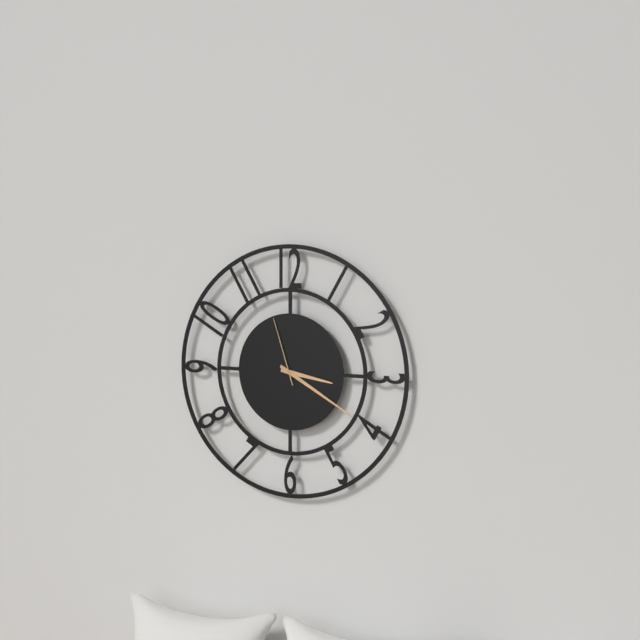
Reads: 3h20m57s
